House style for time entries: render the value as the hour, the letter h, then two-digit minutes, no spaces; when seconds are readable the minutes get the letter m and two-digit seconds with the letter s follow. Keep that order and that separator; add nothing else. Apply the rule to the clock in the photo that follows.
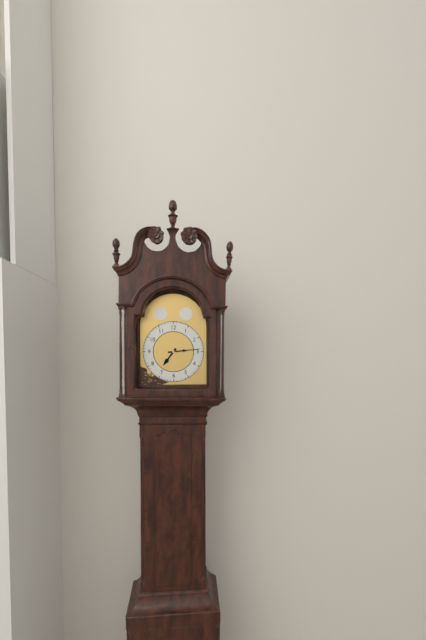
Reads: 7h14
